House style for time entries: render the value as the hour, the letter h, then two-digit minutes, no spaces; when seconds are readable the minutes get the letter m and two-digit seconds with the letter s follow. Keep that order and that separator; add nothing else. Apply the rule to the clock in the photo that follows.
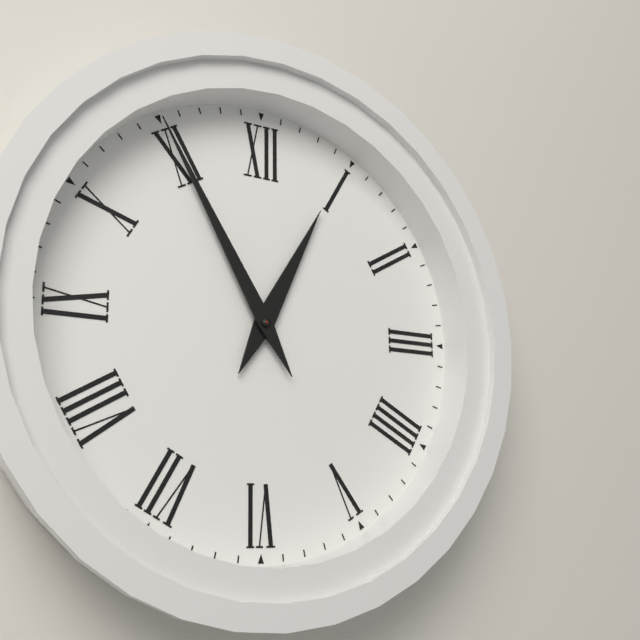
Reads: 12h55
